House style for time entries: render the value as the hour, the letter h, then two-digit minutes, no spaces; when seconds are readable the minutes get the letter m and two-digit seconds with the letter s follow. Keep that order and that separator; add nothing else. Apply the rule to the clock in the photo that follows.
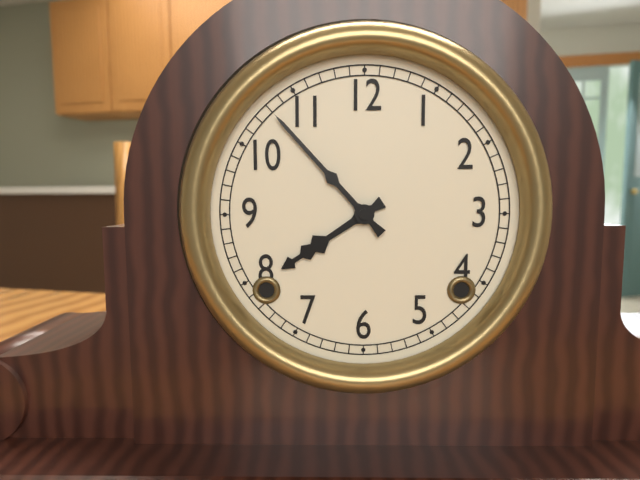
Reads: 7h53
